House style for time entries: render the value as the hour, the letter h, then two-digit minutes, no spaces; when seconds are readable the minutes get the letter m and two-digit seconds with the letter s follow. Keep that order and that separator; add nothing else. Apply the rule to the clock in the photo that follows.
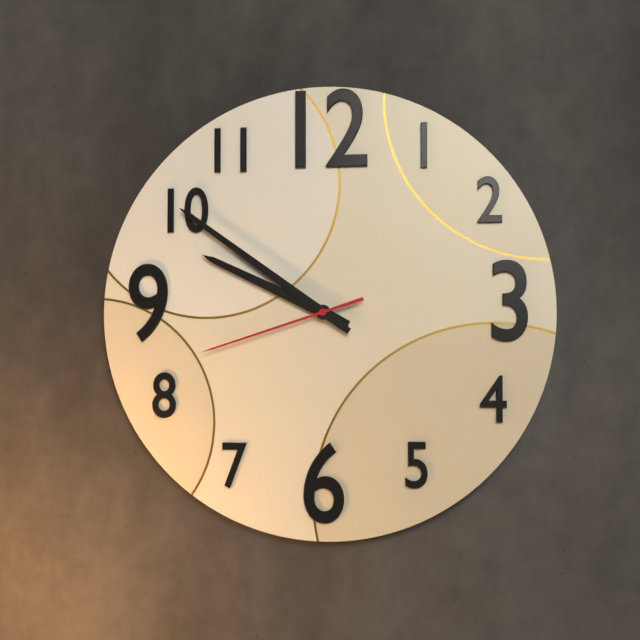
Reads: 9h51m42s
